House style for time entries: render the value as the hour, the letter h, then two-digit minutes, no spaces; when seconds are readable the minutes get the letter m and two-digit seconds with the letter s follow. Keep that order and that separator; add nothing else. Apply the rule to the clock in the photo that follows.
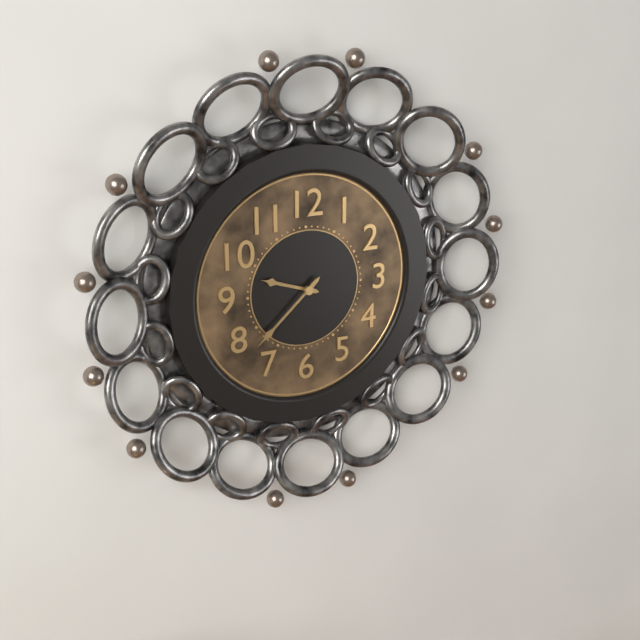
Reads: 9h38
